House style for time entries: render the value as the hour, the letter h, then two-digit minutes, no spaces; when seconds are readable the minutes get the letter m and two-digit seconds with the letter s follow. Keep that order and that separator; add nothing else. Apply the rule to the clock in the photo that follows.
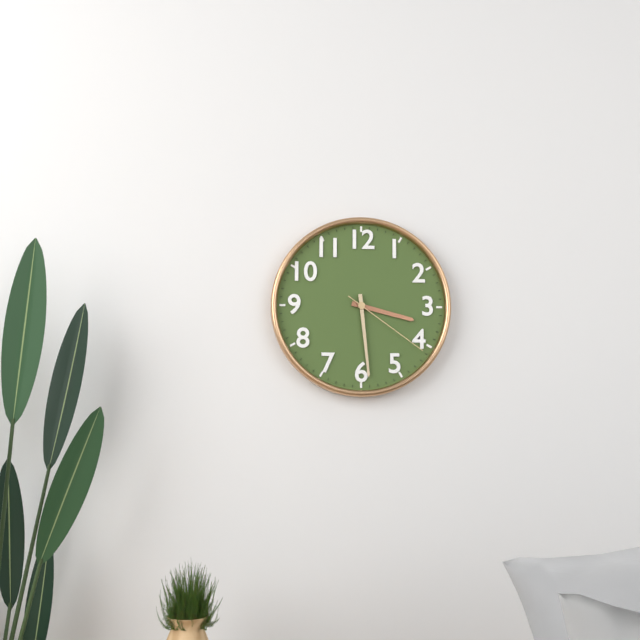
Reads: 3h29m21s
